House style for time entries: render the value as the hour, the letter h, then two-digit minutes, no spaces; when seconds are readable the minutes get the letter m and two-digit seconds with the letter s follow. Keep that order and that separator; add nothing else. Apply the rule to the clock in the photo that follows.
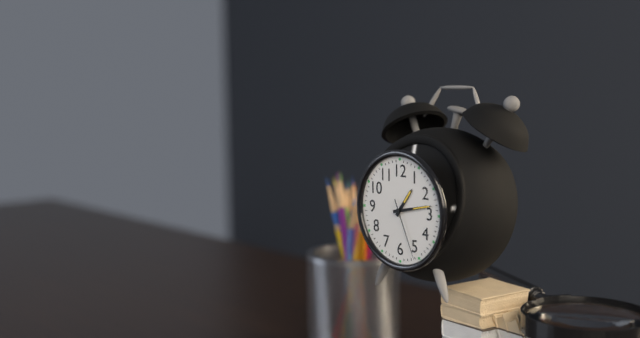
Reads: 1h13m26s
